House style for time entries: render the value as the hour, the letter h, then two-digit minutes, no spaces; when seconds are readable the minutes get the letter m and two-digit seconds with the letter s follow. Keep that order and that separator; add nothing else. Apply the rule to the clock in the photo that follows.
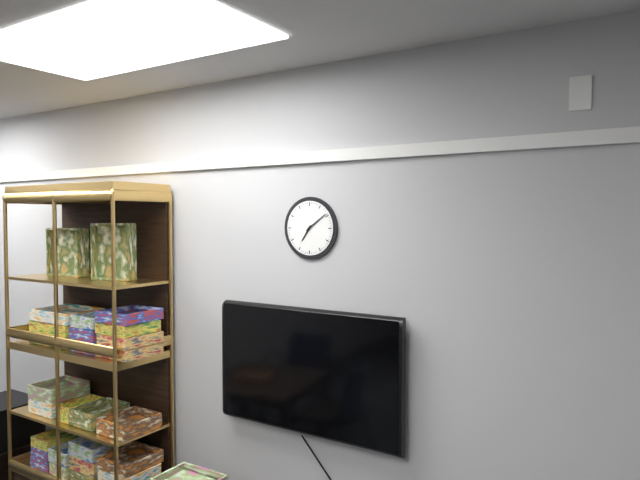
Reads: 7h09
